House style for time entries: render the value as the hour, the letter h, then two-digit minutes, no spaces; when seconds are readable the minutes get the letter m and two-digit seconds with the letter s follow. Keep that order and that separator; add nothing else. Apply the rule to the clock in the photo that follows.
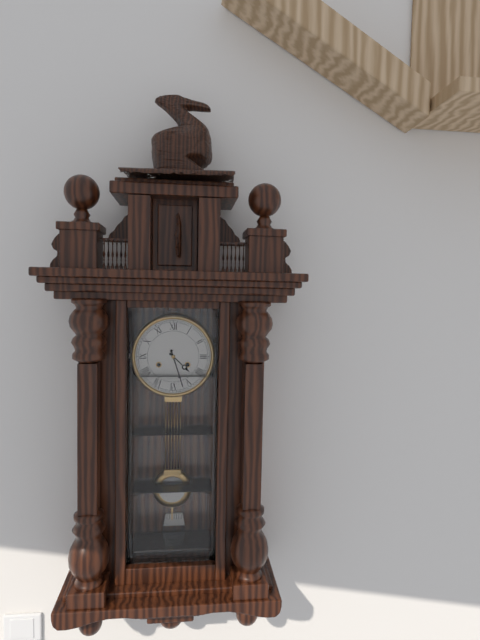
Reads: 4h27
